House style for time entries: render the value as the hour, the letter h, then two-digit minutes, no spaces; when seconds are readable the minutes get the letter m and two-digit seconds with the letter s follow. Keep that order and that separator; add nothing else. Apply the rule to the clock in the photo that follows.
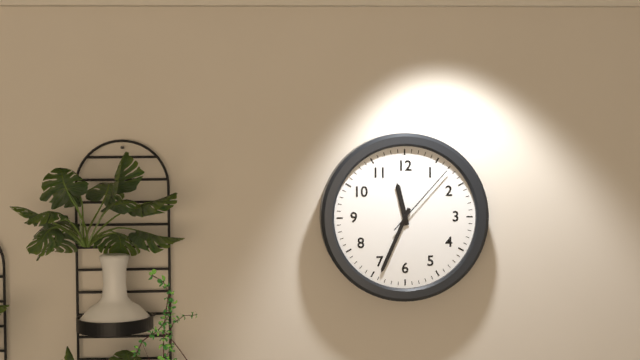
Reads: 11h34m07s
